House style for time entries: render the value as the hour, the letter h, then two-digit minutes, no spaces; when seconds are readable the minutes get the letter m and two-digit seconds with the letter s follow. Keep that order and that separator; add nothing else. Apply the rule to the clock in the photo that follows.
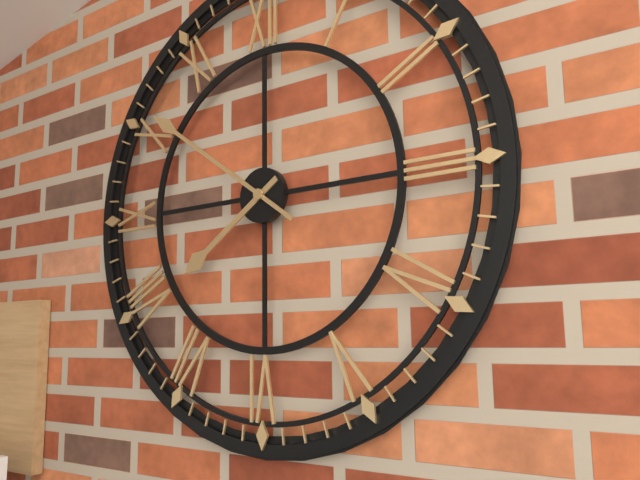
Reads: 7h51
